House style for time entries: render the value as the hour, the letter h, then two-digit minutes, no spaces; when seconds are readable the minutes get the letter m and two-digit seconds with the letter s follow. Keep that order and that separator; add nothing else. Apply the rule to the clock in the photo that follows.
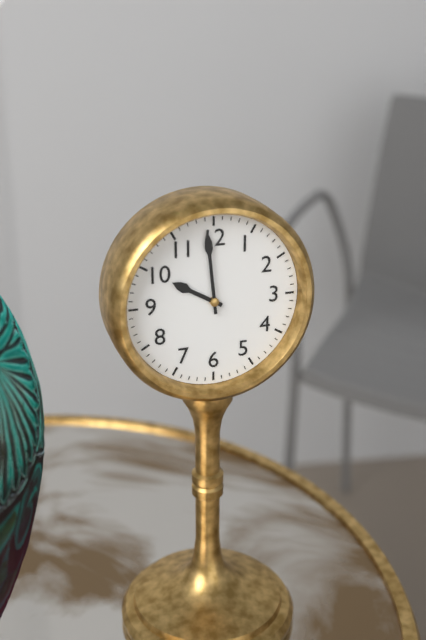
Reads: 9h59
